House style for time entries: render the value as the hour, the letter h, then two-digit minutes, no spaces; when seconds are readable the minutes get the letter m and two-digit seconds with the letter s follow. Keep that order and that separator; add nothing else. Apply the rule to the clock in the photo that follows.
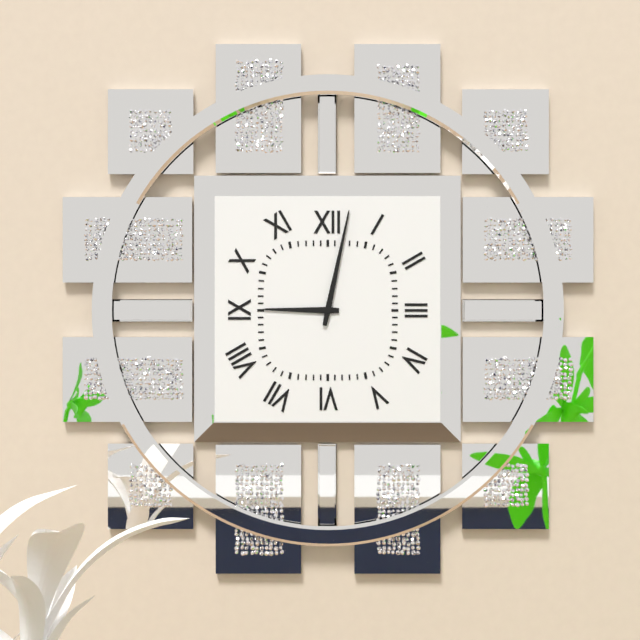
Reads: 9h02
